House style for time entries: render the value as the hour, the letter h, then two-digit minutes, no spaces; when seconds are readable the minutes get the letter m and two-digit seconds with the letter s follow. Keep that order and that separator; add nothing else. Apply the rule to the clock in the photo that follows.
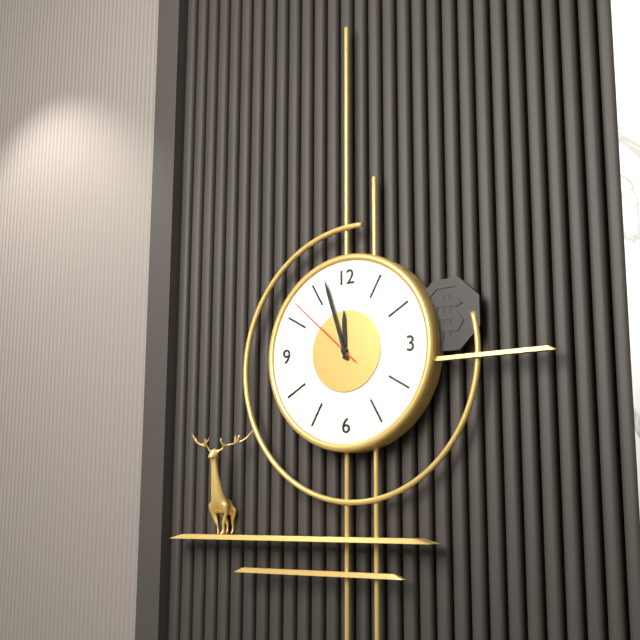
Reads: 11h57m52s
